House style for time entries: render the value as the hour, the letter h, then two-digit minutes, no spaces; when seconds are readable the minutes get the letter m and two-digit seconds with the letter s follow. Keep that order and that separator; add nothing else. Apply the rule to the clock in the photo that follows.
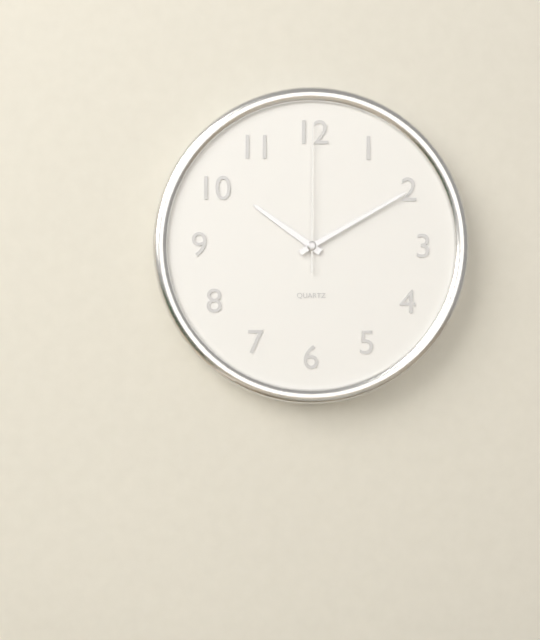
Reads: 10h10m00s
